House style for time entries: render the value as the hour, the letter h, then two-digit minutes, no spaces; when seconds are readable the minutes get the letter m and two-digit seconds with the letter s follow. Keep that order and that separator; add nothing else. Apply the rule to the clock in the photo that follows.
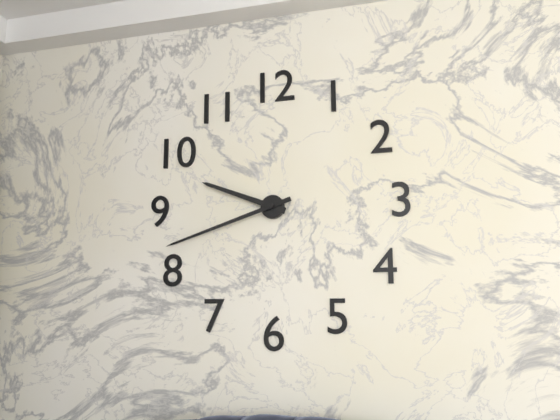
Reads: 9h42
